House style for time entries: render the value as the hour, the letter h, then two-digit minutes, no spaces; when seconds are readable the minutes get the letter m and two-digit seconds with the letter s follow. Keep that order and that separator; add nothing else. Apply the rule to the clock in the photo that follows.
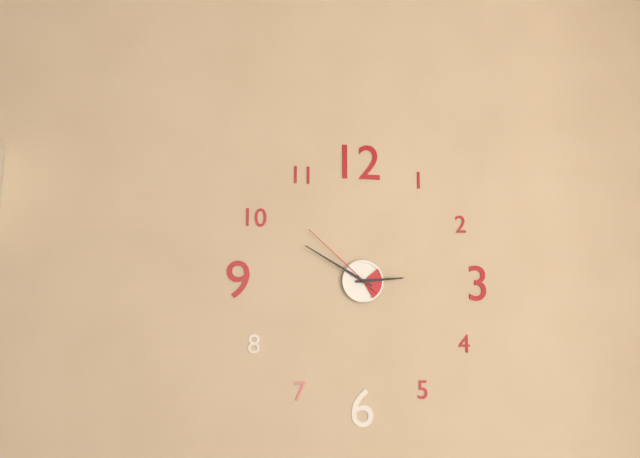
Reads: 2h50m52s
